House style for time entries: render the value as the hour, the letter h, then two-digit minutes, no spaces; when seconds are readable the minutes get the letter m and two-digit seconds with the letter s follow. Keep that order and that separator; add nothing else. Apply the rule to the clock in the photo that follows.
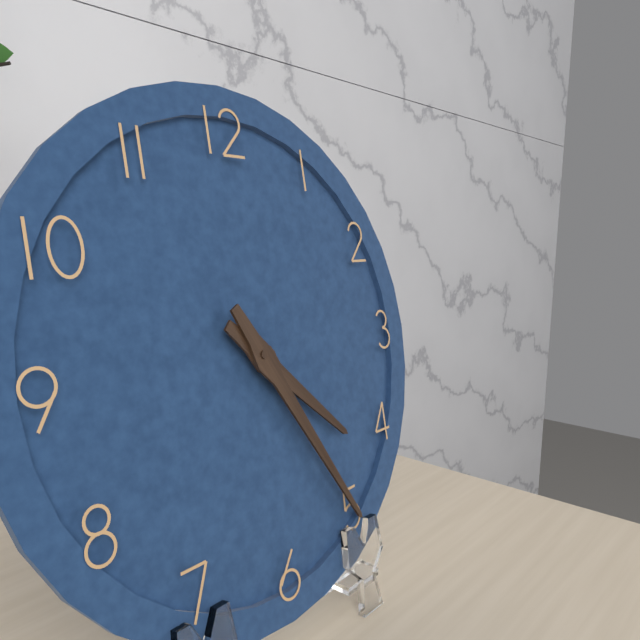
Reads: 4h25
